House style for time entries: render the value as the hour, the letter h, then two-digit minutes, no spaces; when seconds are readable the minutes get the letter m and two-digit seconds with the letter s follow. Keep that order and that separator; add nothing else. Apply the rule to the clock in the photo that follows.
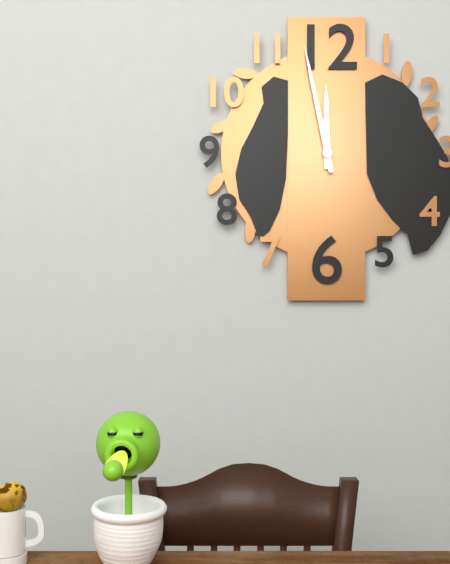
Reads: 11h58
